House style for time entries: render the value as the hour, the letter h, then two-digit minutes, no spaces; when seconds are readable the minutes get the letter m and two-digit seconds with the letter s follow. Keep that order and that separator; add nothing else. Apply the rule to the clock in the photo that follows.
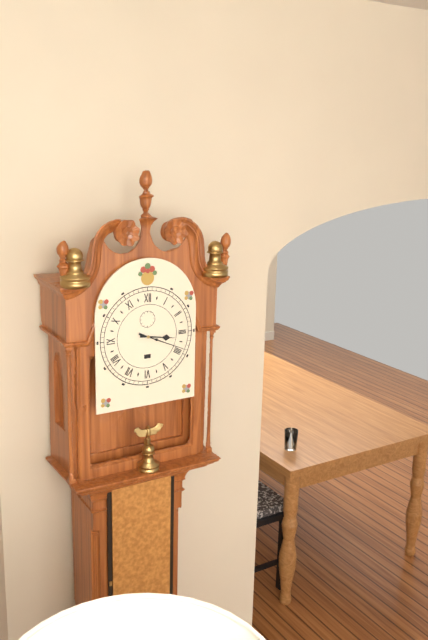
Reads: 3h19
